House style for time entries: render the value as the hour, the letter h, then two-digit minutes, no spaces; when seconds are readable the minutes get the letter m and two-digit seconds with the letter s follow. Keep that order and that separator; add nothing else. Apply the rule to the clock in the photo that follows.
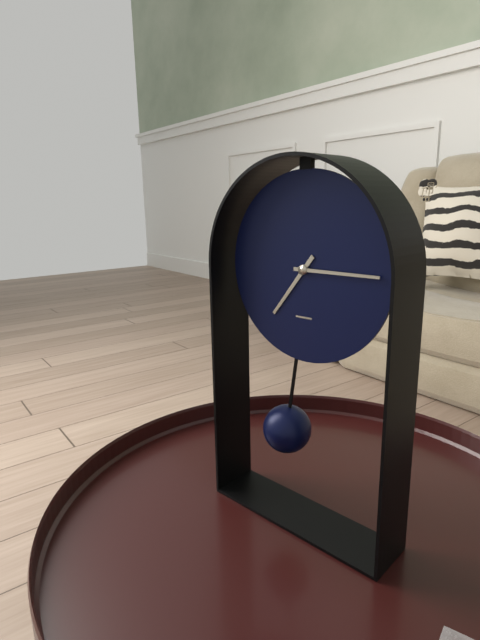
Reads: 7h15
